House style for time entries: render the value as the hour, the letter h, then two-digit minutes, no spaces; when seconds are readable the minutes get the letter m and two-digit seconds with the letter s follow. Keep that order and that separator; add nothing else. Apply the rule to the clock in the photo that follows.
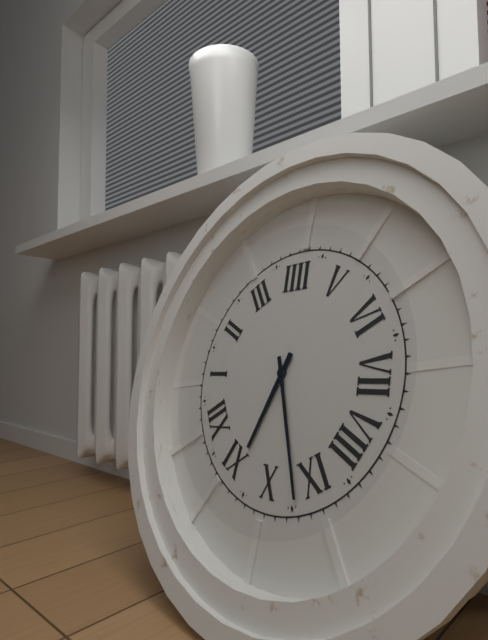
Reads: 10h47
